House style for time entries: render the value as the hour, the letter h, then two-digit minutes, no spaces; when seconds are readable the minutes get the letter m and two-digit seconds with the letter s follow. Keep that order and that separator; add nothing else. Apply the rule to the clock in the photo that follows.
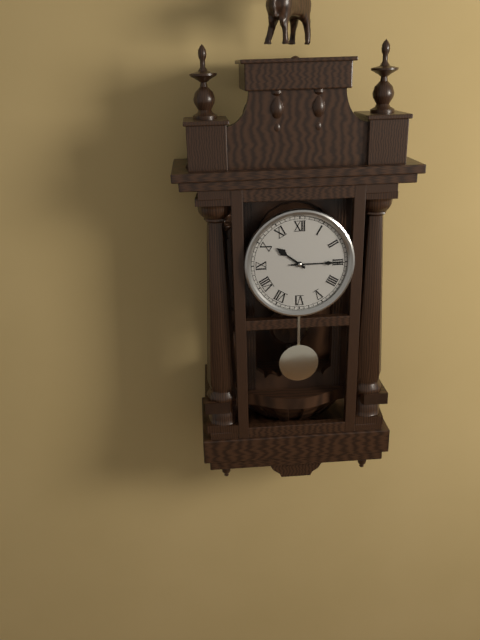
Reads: 10h15
